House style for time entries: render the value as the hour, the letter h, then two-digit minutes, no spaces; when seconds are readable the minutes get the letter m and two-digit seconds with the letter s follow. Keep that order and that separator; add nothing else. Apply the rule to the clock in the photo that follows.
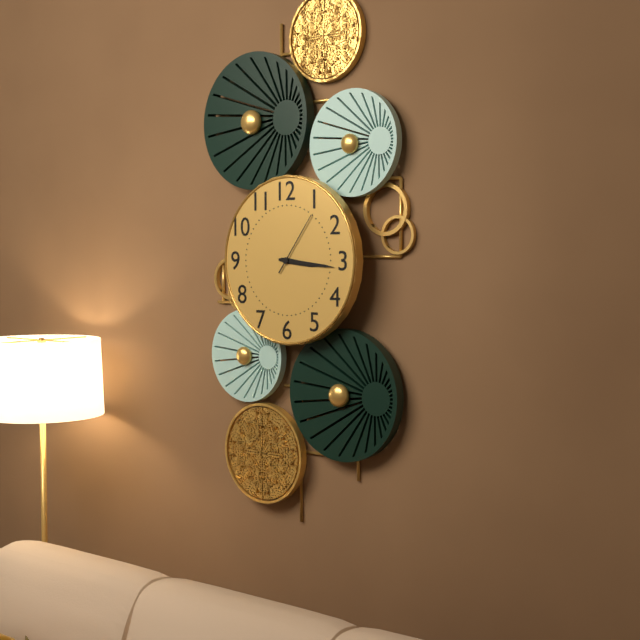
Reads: 3h16m06s
